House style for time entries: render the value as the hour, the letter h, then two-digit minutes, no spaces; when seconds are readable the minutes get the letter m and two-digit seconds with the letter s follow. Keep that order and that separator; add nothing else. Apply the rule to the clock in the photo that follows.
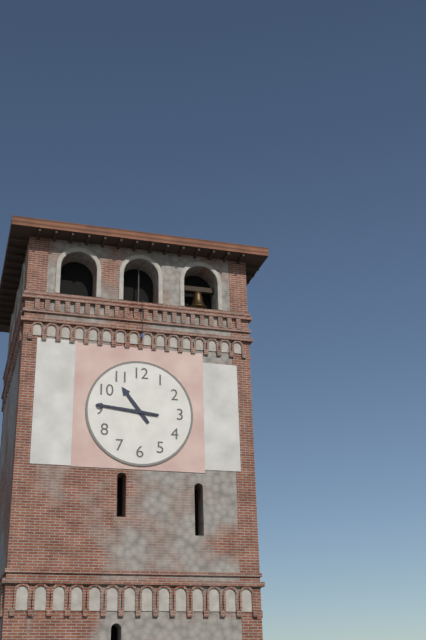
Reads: 10h46
